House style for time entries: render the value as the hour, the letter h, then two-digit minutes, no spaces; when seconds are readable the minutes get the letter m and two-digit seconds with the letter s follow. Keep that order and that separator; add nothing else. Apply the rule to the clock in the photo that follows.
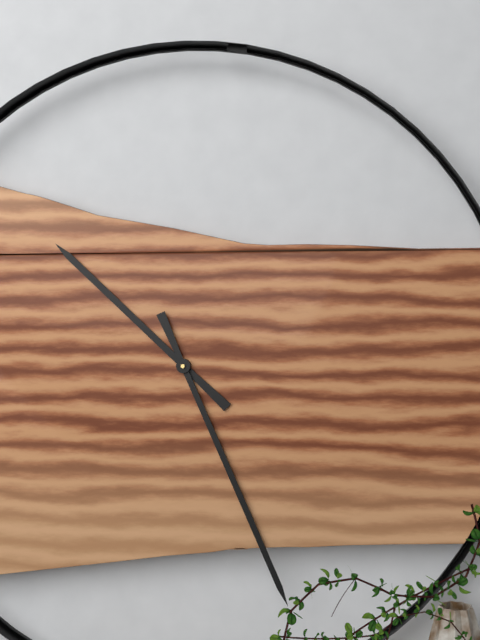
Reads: 10h26
